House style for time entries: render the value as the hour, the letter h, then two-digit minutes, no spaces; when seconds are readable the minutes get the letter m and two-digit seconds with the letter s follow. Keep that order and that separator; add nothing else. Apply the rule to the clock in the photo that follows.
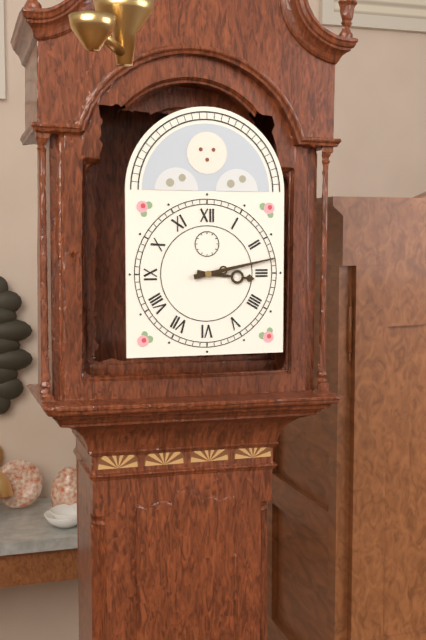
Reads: 3h13
